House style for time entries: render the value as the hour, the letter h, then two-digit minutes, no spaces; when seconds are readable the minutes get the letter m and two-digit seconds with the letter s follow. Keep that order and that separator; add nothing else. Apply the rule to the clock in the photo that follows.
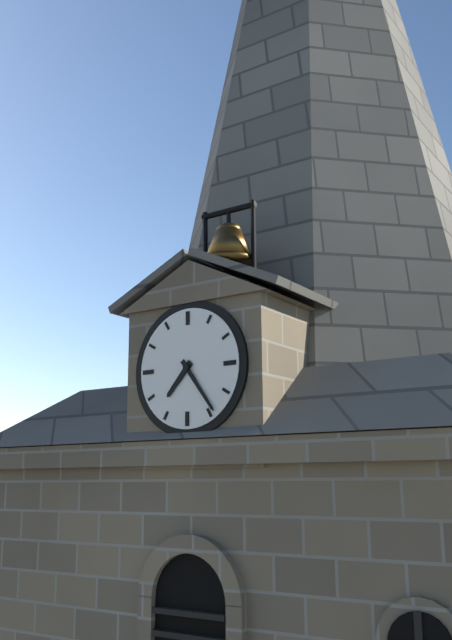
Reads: 7h24
